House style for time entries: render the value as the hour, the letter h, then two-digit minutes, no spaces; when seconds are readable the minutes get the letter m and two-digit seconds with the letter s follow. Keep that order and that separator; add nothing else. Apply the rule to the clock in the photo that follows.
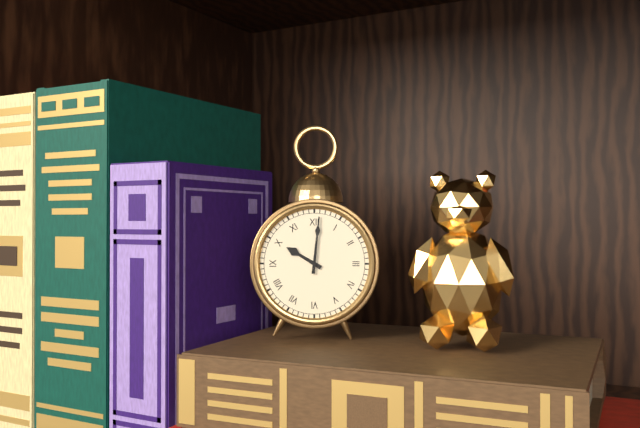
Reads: 10h01
